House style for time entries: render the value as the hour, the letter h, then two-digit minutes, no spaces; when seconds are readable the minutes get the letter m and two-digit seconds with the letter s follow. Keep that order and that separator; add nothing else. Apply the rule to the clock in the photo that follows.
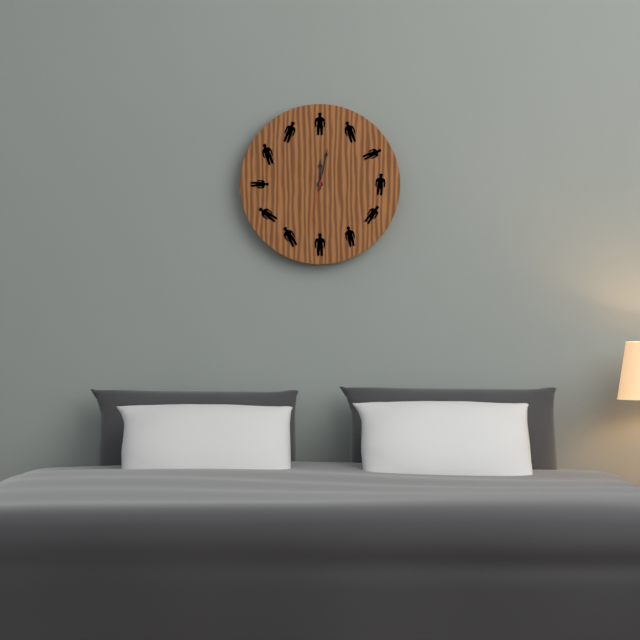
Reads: 12h02
